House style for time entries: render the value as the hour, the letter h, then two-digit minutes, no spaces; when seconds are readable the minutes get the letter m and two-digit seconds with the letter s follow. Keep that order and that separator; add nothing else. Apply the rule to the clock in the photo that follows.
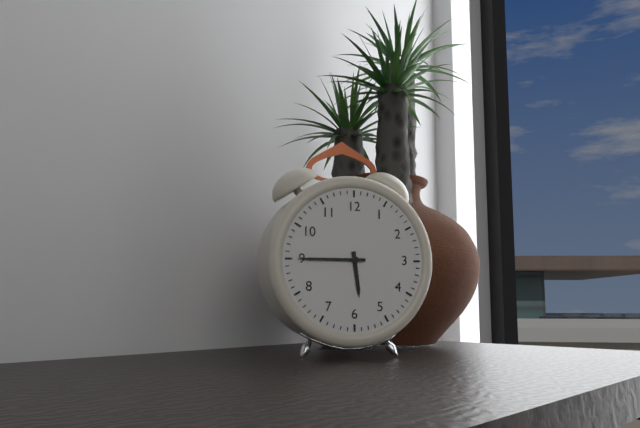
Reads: 5h45
